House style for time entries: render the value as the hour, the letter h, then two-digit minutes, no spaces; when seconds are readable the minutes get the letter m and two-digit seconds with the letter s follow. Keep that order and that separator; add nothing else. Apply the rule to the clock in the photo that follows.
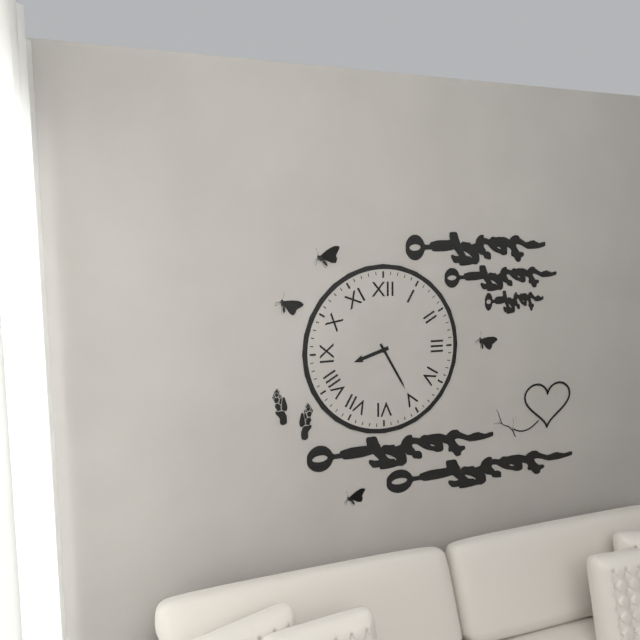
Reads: 8h25
